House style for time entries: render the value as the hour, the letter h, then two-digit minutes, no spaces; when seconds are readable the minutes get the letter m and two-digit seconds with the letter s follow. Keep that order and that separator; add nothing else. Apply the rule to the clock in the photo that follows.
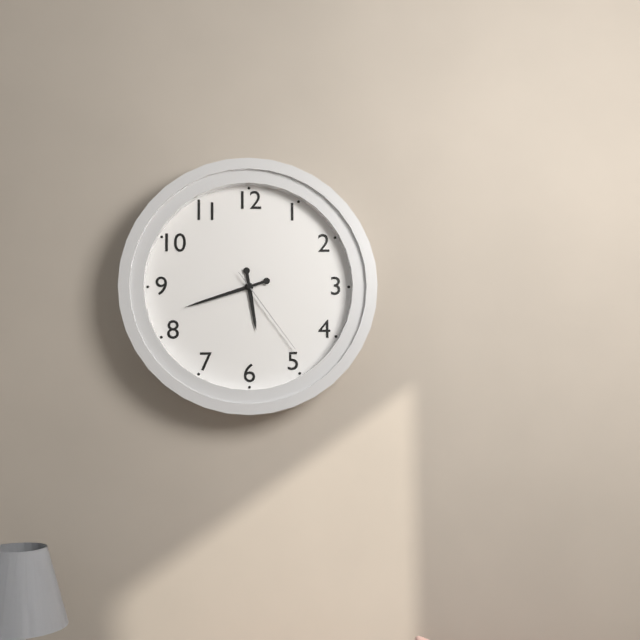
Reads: 5h42m24s
